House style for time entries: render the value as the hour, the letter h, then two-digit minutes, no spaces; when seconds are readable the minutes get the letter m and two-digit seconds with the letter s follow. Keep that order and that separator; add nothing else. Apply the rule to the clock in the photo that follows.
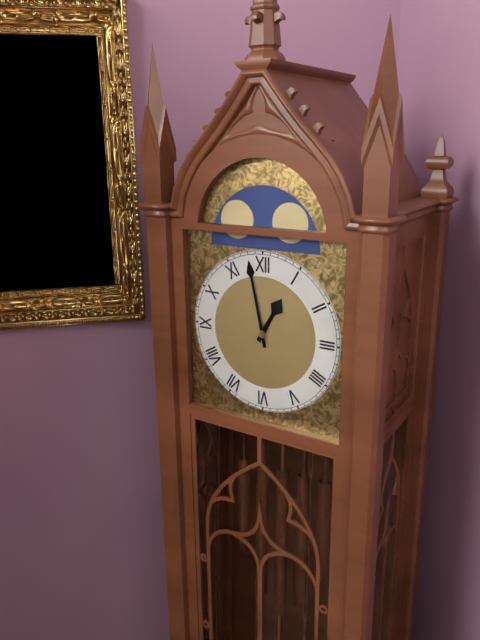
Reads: 12h58
